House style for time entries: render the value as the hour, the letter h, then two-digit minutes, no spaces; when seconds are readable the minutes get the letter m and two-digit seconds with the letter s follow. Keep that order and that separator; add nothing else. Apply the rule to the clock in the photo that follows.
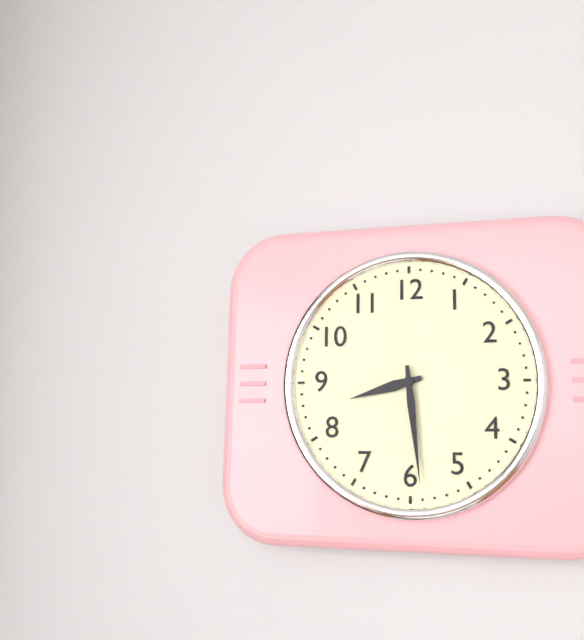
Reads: 8h29
